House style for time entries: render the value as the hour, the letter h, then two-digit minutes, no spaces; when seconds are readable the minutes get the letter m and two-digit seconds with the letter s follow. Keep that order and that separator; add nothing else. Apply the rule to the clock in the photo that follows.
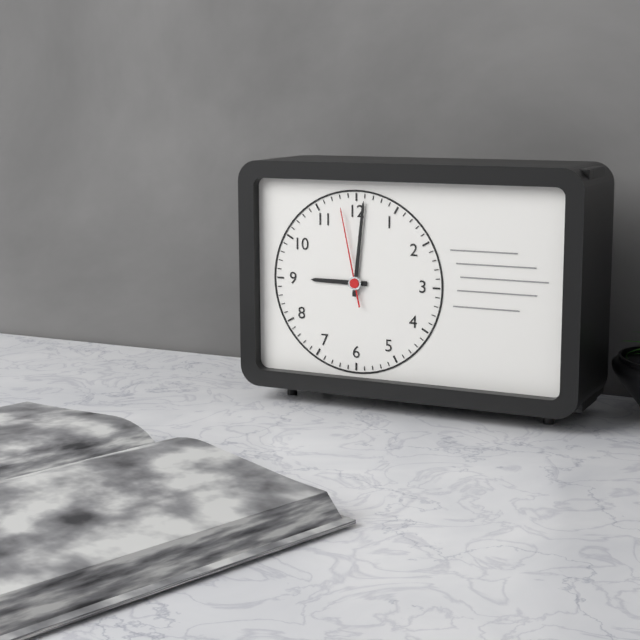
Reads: 9h01m58s
